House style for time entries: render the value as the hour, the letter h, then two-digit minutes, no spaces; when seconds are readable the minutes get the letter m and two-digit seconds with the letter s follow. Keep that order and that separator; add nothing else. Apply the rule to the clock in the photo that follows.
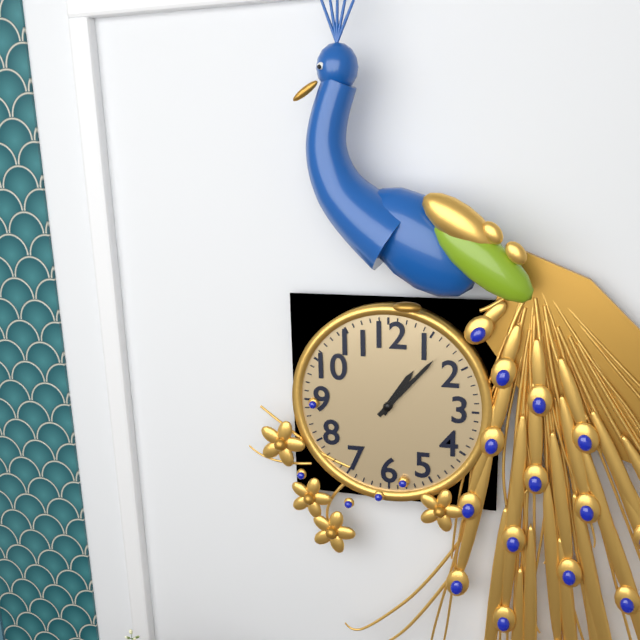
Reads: 1h07
